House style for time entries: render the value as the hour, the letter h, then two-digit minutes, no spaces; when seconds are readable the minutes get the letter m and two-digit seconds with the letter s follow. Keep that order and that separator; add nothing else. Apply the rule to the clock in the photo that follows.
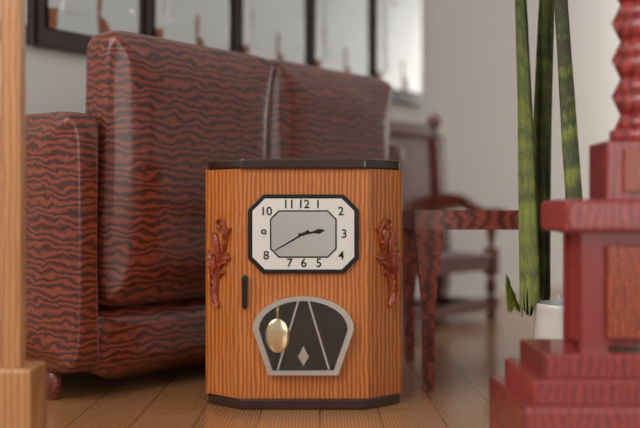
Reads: 2h40
